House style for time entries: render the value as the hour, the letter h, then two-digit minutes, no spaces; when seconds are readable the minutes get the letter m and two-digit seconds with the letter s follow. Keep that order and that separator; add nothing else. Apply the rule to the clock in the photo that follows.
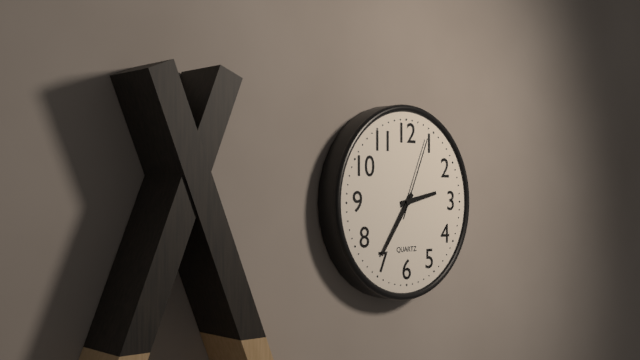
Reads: 2h36m04s
